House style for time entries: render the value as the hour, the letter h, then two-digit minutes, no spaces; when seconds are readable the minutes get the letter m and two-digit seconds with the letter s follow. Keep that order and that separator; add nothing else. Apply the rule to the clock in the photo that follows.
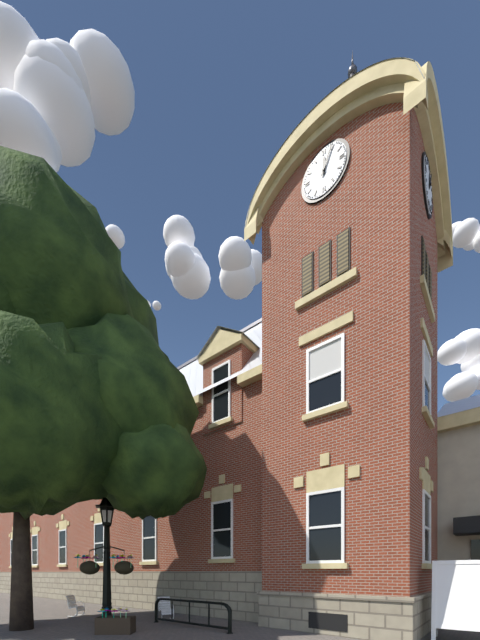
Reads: 12h04
